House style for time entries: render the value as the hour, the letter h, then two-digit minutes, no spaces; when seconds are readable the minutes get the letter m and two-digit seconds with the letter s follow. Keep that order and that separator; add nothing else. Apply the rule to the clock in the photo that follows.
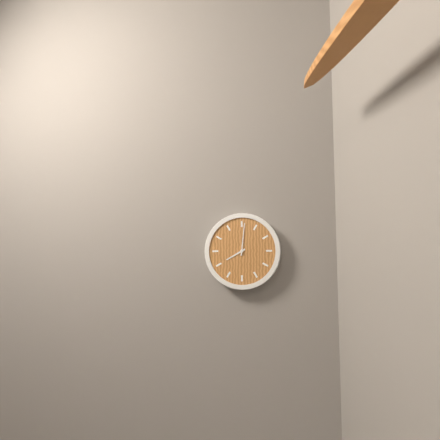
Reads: 8h01
